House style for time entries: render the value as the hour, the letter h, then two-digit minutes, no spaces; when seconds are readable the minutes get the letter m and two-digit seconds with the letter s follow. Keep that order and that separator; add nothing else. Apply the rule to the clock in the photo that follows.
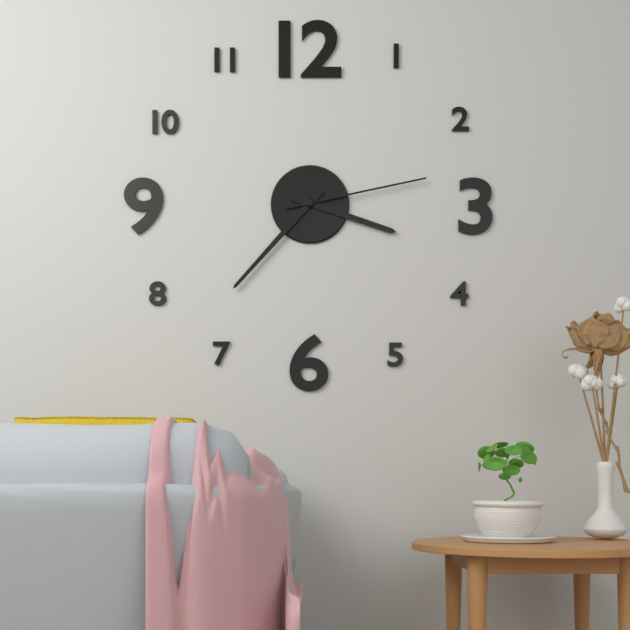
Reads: 3h37m13s
